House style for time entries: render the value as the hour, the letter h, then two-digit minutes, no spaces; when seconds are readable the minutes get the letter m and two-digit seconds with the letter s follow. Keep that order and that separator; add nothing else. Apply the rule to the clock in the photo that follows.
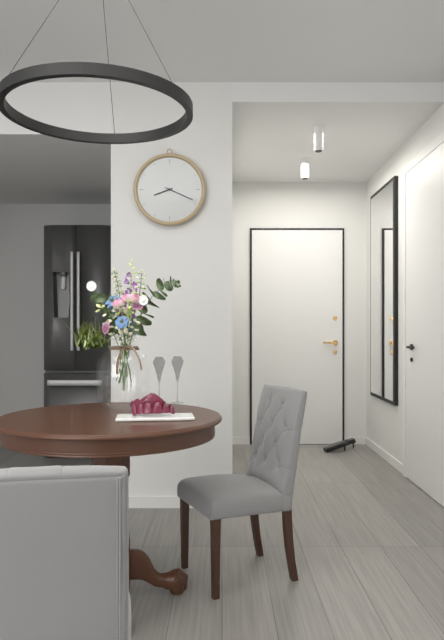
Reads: 8h19
